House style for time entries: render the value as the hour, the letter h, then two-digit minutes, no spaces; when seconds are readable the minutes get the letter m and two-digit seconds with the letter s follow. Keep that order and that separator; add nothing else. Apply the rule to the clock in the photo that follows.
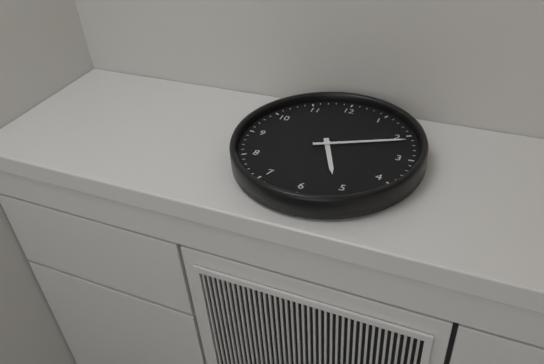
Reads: 5h11
